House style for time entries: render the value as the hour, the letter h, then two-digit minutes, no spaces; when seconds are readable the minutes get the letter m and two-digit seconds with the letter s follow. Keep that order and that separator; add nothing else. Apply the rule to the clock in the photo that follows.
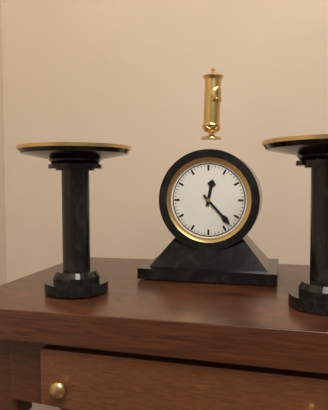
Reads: 12h23
